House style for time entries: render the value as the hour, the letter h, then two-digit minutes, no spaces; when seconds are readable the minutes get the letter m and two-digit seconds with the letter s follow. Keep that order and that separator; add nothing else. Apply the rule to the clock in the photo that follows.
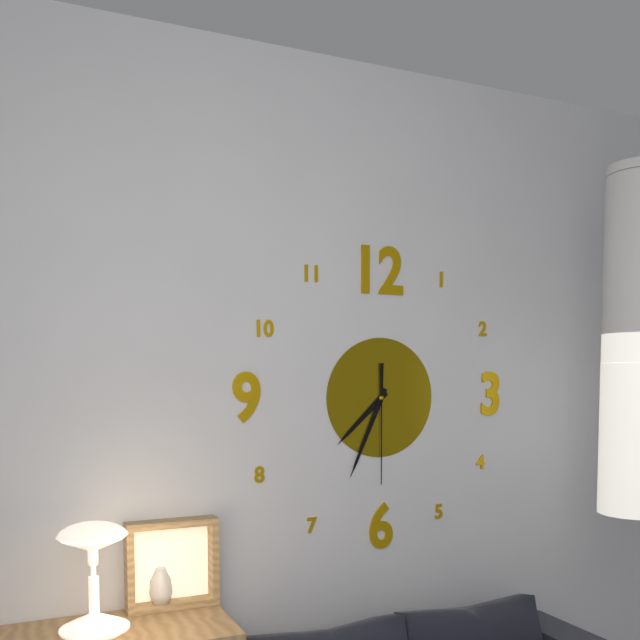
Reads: 7h34m30s
